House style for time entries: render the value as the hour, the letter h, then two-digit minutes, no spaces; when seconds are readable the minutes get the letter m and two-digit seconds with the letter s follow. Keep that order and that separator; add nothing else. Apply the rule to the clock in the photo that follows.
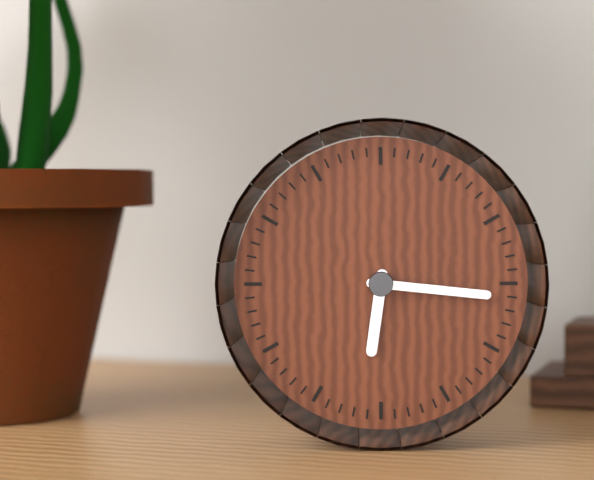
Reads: 6h16
